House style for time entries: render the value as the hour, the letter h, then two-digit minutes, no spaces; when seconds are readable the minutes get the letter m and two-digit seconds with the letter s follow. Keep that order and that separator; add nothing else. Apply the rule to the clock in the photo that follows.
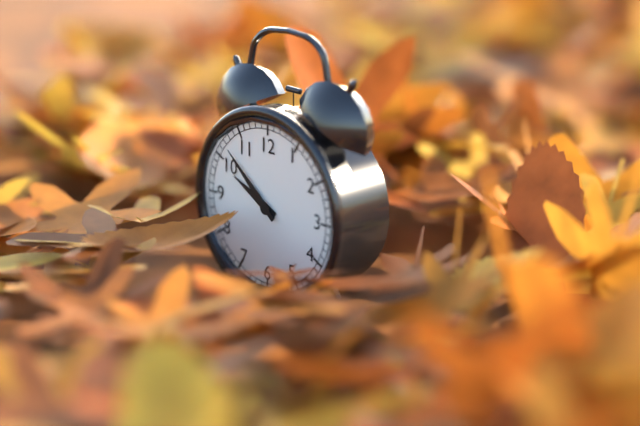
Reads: 9h52
